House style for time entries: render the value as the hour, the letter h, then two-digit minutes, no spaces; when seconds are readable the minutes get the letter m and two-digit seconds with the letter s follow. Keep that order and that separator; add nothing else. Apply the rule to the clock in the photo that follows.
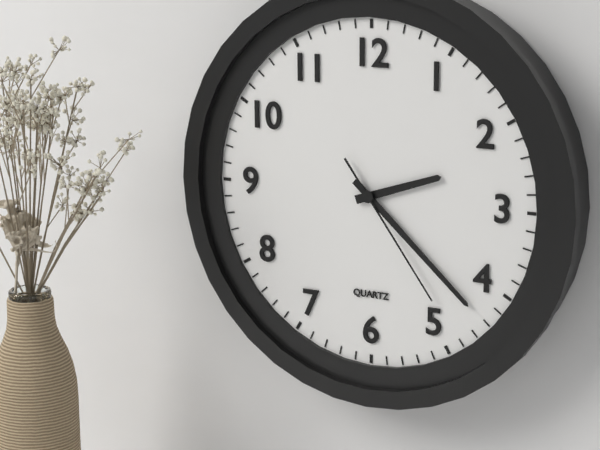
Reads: 2h22m24s
